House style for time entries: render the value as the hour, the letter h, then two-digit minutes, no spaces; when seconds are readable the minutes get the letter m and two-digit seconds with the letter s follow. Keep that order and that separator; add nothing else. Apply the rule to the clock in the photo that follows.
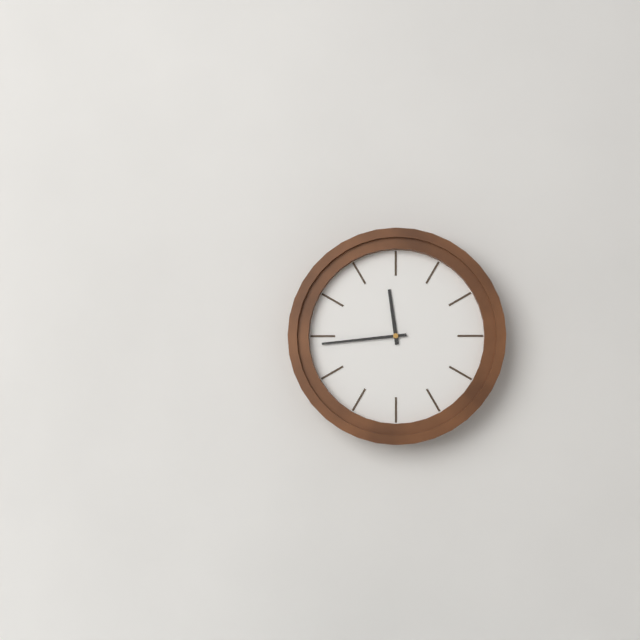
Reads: 11h44
